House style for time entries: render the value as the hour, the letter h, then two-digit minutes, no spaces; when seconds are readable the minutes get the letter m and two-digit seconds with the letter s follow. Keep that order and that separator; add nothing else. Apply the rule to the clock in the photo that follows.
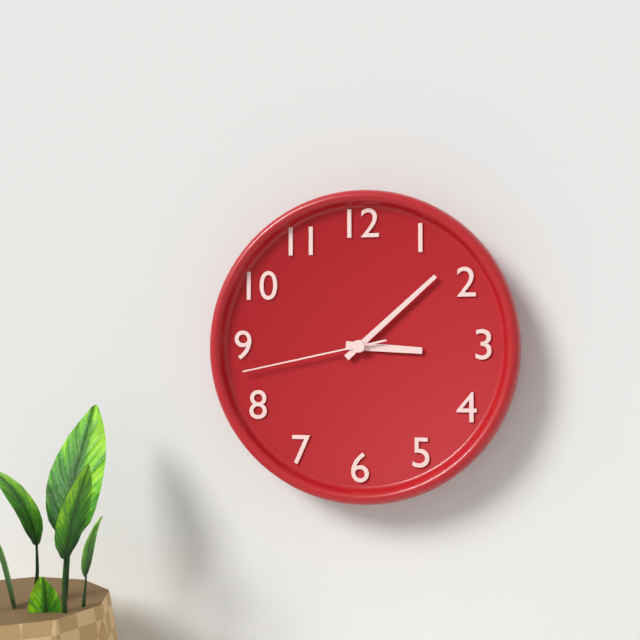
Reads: 3h08m43s
